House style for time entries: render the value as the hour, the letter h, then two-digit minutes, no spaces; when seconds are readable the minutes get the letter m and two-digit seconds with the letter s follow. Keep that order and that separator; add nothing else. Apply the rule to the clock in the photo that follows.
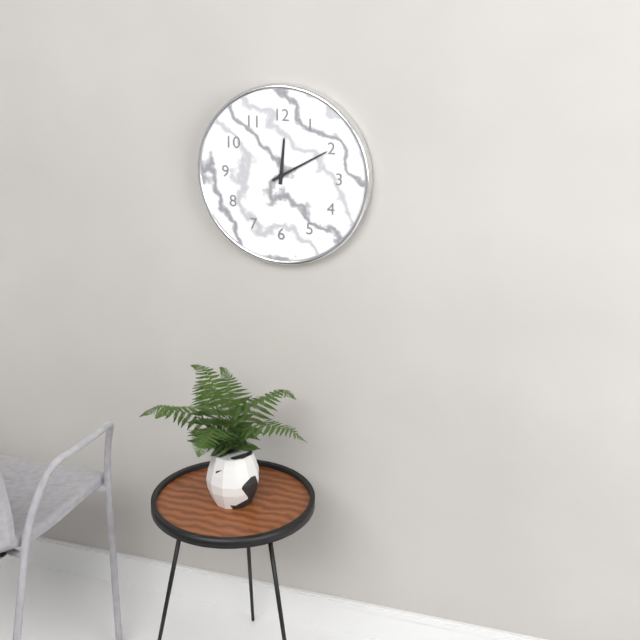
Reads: 12h10
